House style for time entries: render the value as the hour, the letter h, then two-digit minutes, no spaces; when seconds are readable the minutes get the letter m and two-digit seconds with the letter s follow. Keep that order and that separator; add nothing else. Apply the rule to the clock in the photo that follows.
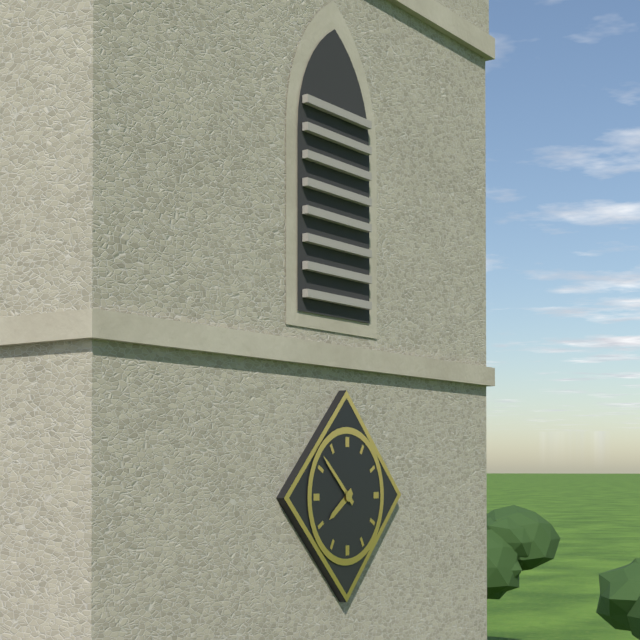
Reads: 7h52
